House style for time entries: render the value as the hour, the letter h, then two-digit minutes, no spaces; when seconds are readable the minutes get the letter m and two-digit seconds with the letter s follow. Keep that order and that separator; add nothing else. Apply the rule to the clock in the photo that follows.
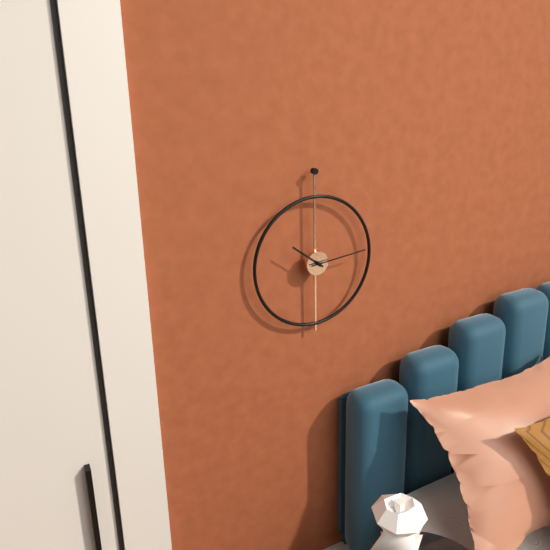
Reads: 10h14
